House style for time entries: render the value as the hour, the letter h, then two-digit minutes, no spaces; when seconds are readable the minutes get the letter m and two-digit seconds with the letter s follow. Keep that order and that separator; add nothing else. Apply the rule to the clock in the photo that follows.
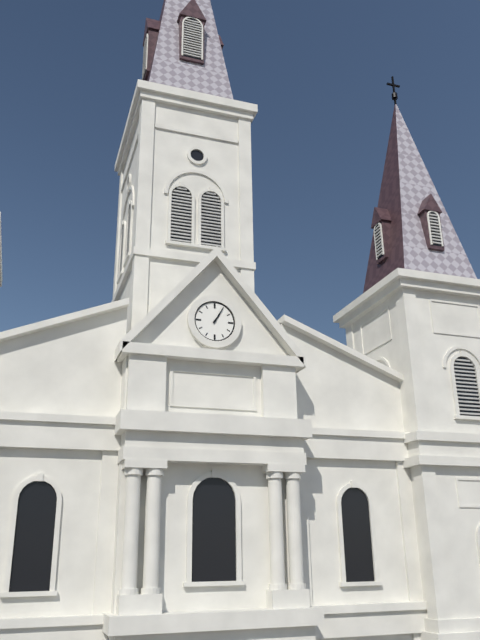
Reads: 1h05
